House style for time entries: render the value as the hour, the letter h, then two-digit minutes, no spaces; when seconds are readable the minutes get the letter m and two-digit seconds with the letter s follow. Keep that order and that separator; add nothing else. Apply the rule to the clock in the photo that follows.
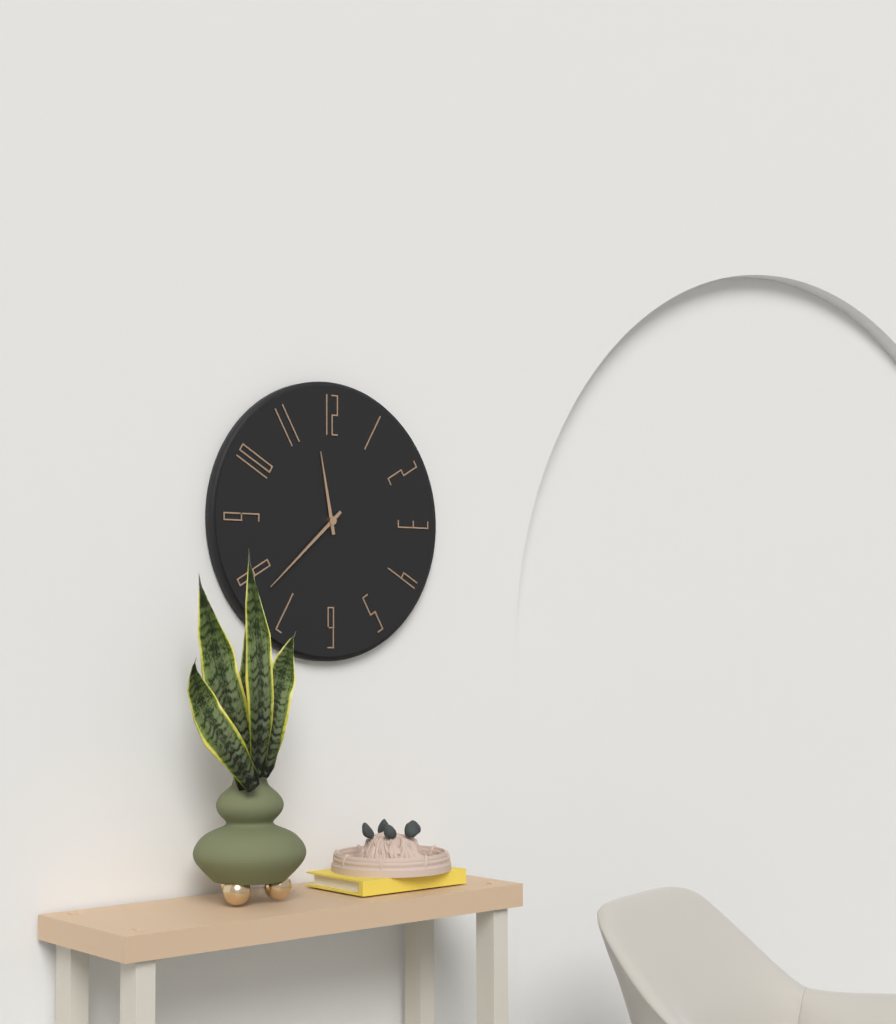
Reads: 11h38
